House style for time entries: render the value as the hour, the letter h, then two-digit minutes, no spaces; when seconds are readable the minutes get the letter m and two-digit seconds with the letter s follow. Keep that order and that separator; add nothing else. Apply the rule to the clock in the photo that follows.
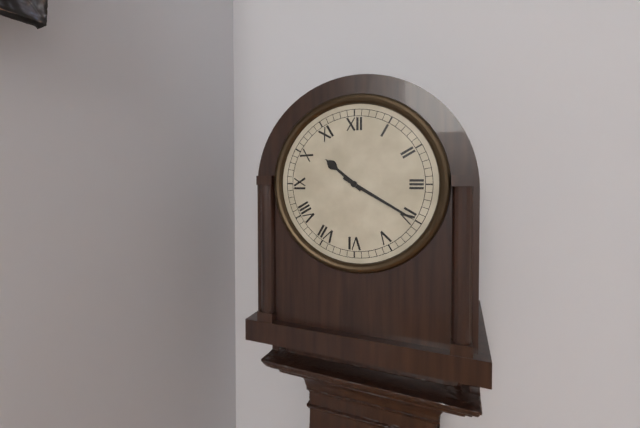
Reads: 10h20
